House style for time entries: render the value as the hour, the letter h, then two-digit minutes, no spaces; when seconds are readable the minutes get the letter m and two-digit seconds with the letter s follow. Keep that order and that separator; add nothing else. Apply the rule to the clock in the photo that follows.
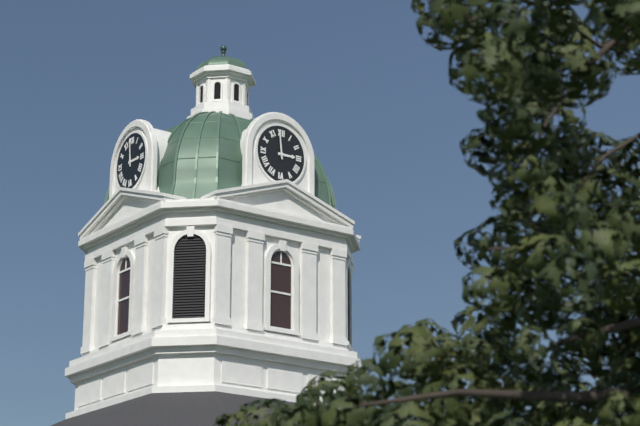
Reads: 2h59
